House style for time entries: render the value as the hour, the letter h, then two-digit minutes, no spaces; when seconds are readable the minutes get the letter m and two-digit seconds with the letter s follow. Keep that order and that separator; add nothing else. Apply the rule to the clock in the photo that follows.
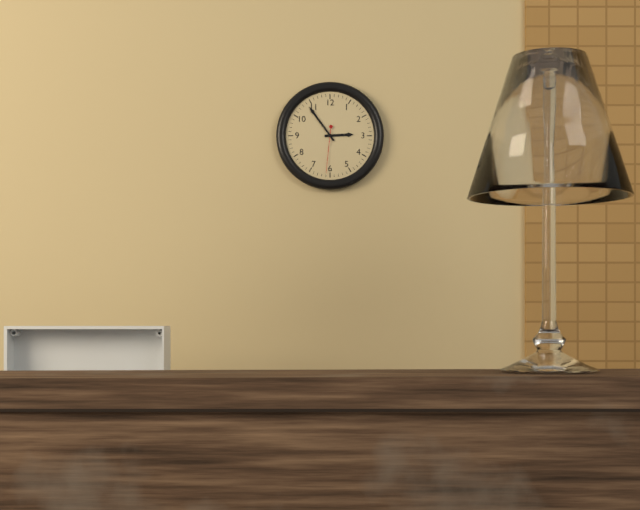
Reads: 2h54
